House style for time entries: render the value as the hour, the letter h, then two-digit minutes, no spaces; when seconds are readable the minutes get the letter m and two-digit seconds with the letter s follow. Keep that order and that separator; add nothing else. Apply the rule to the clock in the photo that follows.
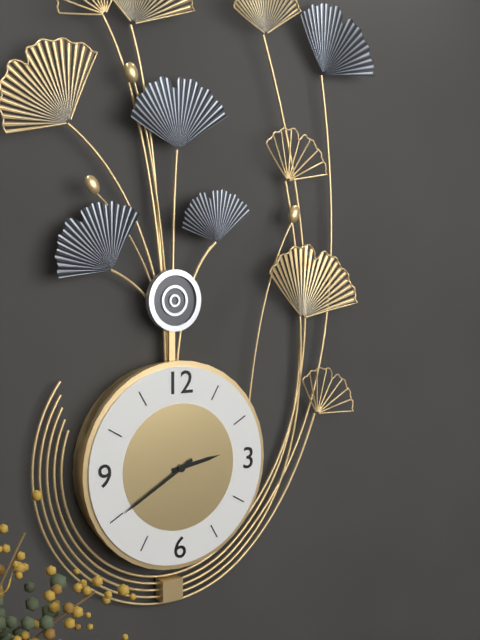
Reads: 2h40
